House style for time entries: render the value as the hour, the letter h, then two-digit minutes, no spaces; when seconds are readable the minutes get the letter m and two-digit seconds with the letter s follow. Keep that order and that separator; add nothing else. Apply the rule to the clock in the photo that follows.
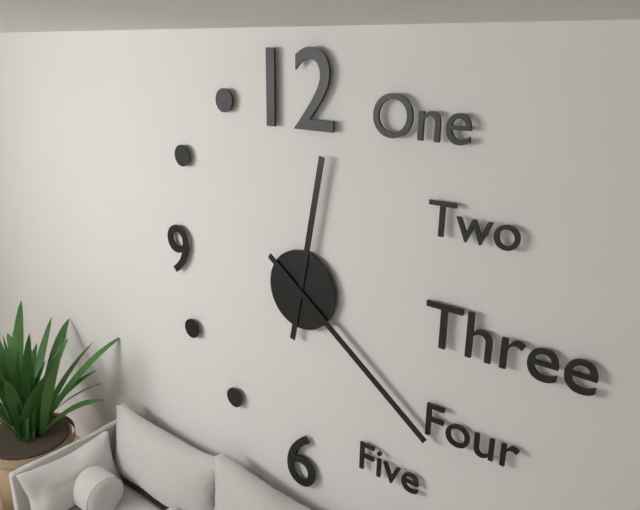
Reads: 12h21
